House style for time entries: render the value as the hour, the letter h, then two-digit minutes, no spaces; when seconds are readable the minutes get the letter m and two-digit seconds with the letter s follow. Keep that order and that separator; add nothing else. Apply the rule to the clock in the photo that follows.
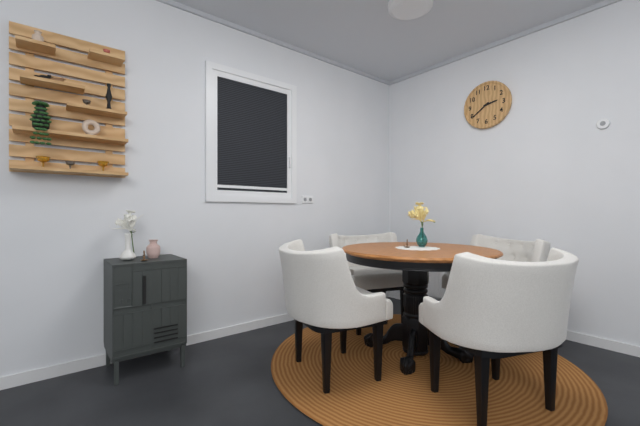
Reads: 2h39
